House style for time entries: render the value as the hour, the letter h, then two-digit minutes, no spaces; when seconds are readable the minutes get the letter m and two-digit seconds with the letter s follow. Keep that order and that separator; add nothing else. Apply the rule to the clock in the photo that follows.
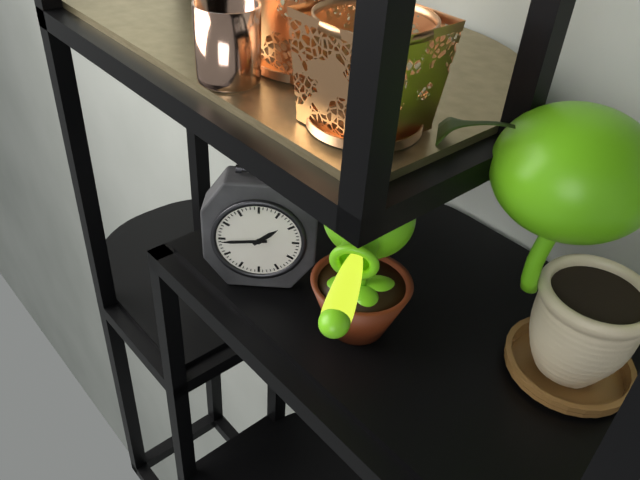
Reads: 1h44
